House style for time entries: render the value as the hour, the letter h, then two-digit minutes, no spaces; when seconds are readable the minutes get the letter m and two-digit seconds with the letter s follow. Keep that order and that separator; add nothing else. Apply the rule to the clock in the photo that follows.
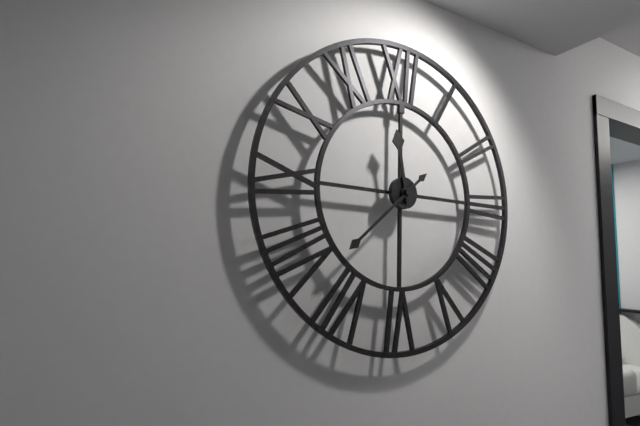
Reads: 11h38
